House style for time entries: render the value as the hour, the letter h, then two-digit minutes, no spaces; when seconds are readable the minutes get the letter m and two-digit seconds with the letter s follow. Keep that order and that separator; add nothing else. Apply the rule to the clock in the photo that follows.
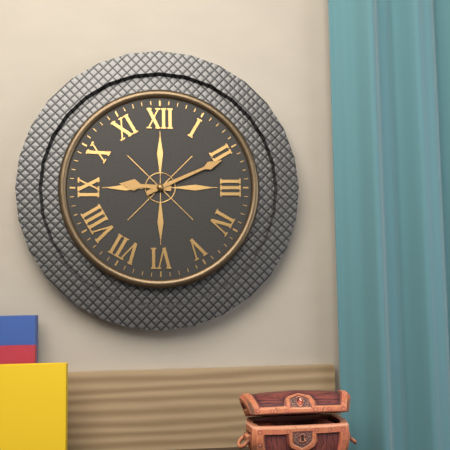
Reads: 9h11
